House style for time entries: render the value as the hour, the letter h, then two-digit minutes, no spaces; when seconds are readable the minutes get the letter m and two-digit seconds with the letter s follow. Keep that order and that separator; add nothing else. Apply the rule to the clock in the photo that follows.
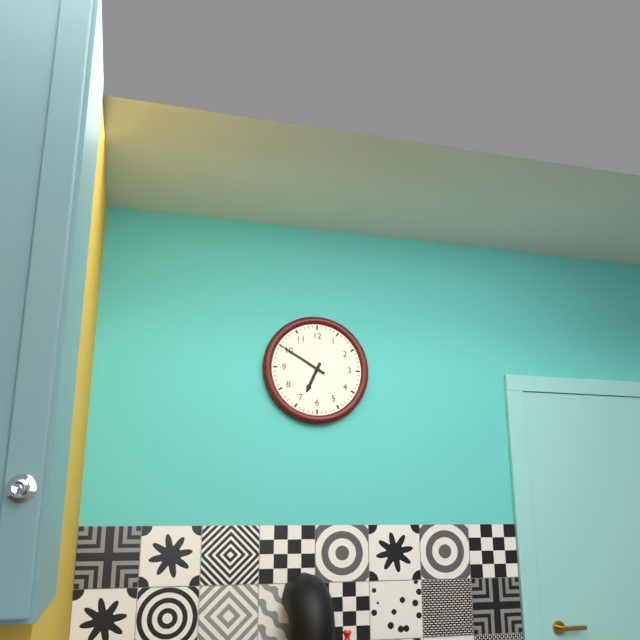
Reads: 6h50
